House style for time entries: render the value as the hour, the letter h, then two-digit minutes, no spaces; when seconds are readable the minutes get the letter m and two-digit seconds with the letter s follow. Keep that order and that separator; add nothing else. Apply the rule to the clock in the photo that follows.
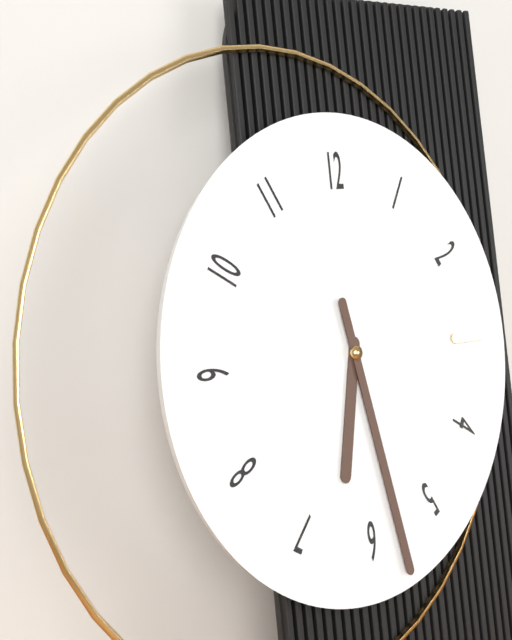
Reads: 6h28
